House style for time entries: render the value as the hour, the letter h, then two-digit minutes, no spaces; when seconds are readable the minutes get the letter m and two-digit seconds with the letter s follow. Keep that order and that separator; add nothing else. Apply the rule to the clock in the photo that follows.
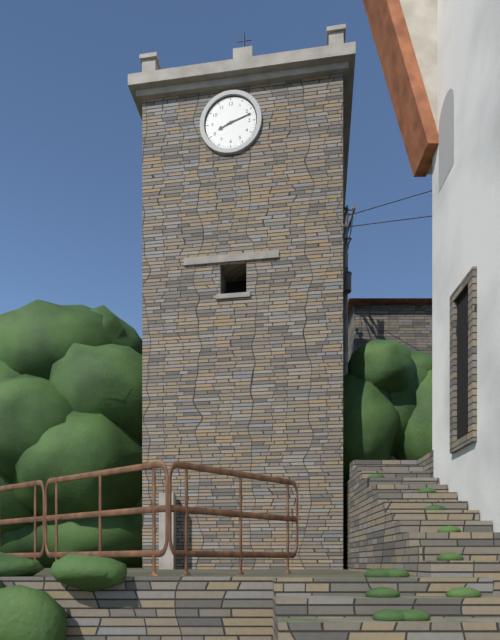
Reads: 8h12
